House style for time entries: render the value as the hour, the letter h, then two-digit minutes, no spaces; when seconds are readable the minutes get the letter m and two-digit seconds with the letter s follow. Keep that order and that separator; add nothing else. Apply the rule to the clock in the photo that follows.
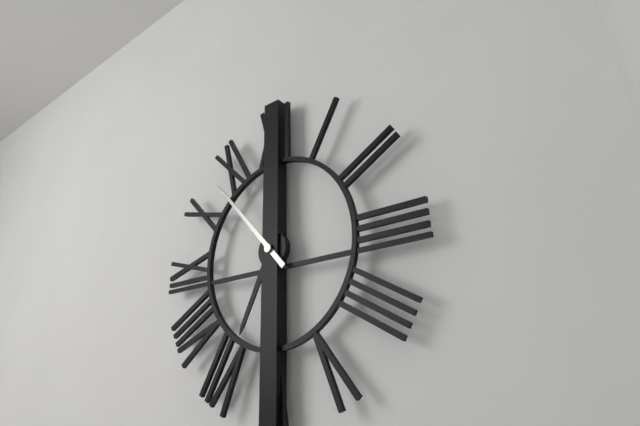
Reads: 6h53
